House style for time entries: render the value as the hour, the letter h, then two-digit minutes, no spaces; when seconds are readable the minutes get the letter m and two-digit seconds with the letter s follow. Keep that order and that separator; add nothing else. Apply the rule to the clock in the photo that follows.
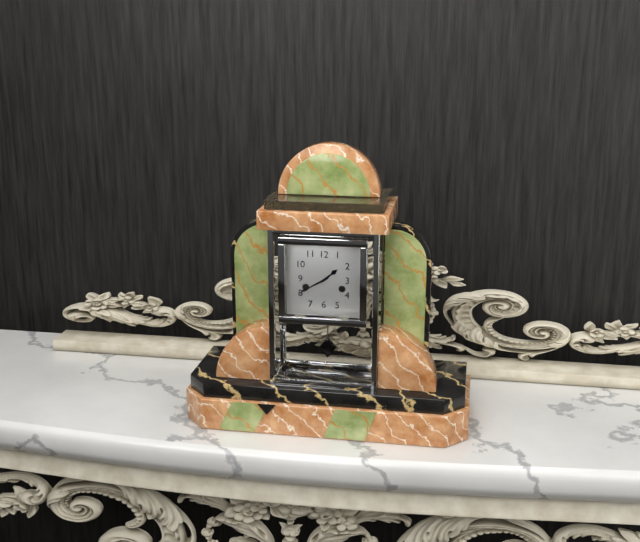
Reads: 1h40
